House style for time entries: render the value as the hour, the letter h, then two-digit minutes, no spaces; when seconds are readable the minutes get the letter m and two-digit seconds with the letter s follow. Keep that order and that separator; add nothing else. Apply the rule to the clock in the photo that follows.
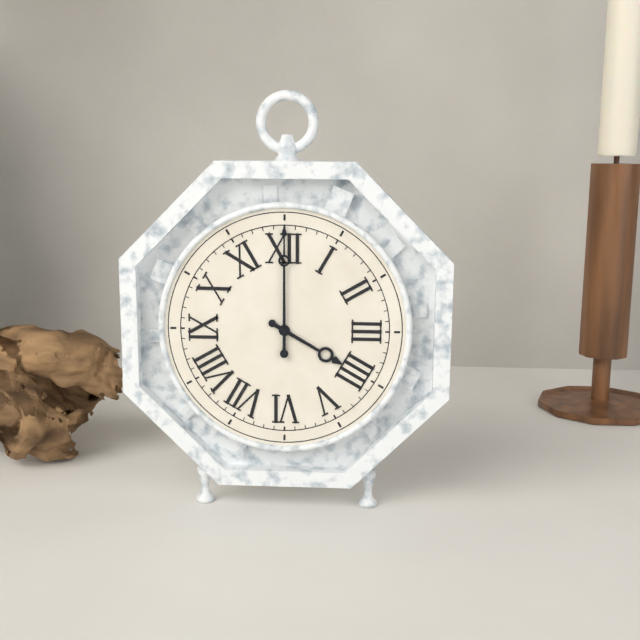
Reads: 4h00
